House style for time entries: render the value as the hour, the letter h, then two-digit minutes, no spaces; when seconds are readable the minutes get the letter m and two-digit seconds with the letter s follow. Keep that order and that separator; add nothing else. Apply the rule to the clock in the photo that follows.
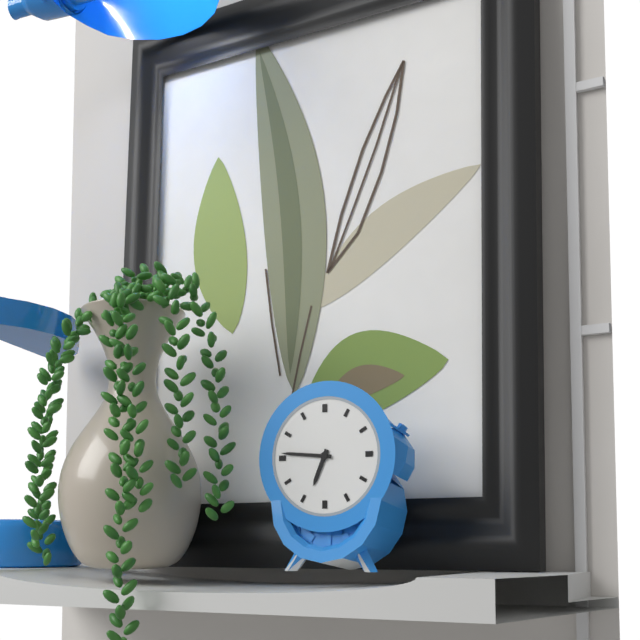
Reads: 6h46
